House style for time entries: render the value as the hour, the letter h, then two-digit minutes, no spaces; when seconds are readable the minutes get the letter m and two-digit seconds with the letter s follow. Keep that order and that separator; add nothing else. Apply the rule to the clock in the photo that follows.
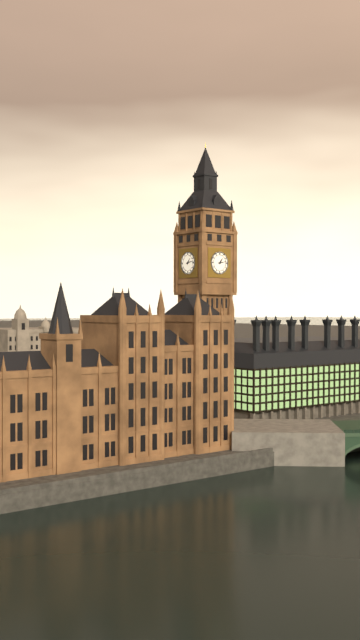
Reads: 1h13
